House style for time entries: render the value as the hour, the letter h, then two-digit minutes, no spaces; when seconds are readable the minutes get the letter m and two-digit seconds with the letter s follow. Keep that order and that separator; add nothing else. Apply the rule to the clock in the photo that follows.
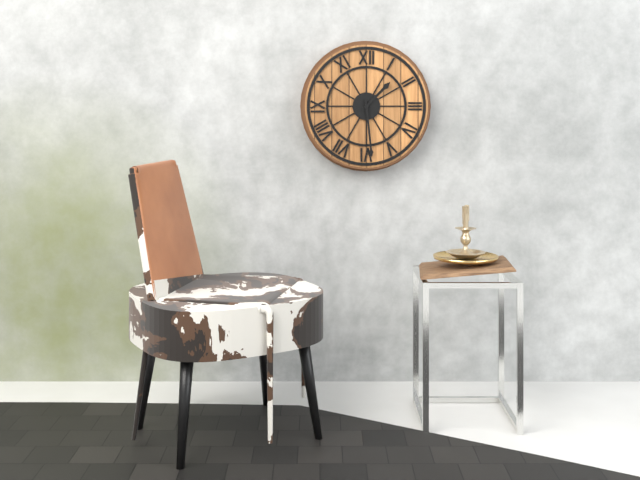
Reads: 1h29
